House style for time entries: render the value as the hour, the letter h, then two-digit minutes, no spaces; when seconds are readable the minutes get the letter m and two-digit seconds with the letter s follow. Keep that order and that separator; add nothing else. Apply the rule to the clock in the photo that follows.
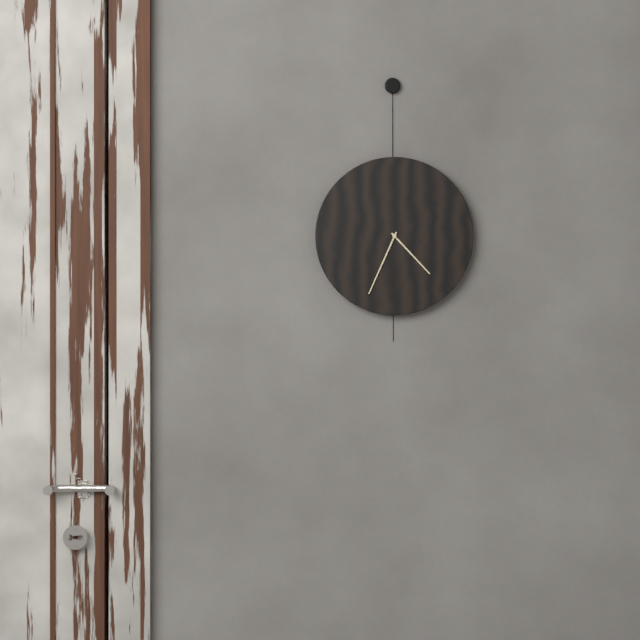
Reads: 4h34
